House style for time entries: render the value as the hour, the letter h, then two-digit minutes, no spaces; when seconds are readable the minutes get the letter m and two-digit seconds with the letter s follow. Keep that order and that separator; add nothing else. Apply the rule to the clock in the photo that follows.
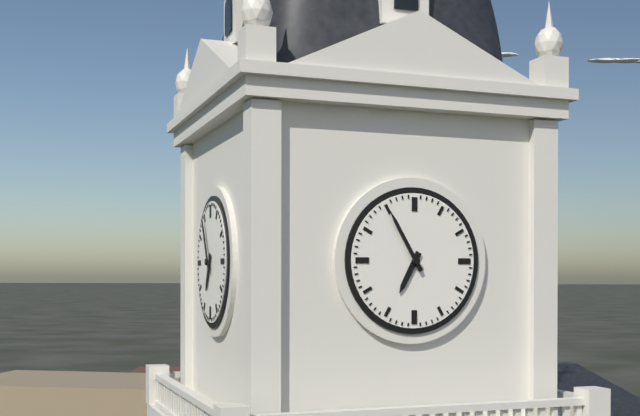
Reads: 6h55
